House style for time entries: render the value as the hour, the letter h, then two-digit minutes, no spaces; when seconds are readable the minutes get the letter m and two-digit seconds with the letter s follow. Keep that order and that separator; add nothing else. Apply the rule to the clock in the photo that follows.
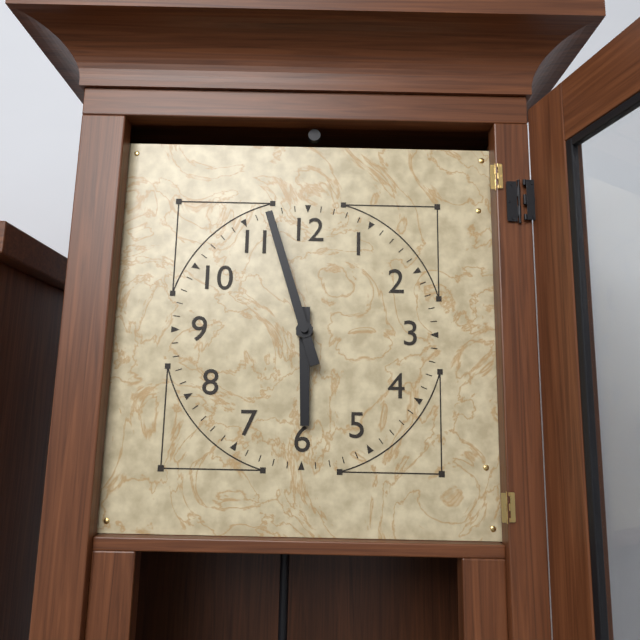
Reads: 5h57
